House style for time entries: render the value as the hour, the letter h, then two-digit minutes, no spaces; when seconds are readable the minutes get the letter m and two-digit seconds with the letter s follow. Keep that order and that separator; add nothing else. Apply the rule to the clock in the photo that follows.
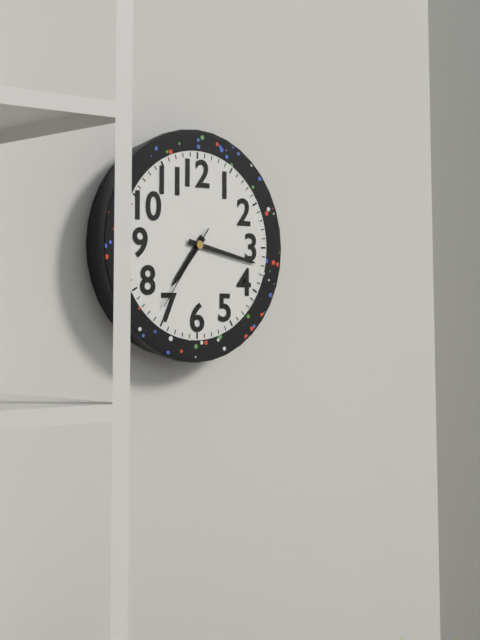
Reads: 7h17m36s
